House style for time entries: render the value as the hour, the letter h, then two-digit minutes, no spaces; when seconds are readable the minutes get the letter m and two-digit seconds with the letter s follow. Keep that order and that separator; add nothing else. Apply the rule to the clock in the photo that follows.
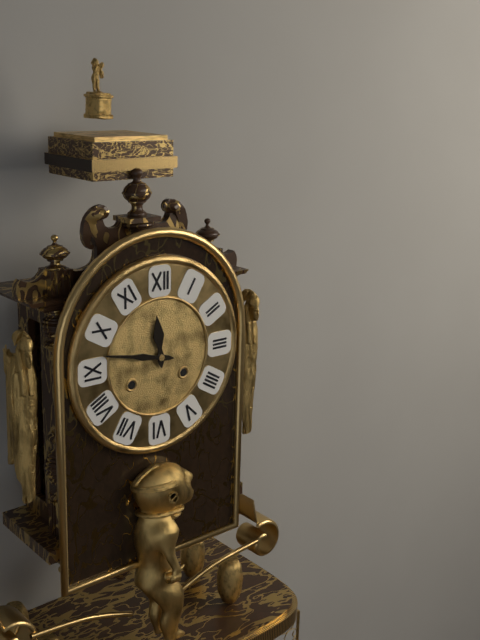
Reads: 11h47
